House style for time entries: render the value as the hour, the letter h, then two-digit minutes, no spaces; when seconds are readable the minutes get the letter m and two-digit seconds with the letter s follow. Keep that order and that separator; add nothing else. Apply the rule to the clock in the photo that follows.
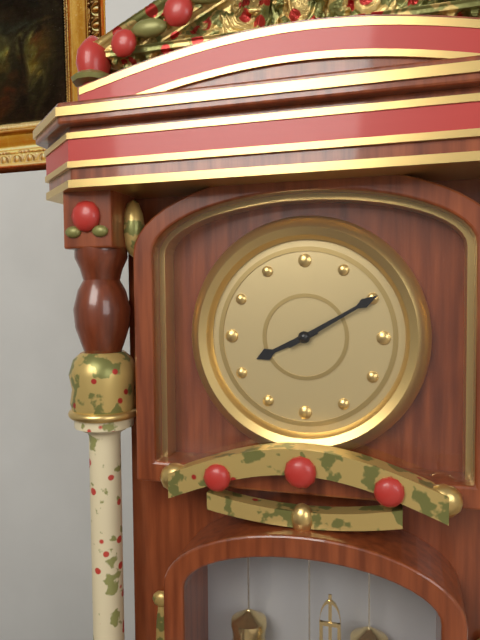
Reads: 8h10
